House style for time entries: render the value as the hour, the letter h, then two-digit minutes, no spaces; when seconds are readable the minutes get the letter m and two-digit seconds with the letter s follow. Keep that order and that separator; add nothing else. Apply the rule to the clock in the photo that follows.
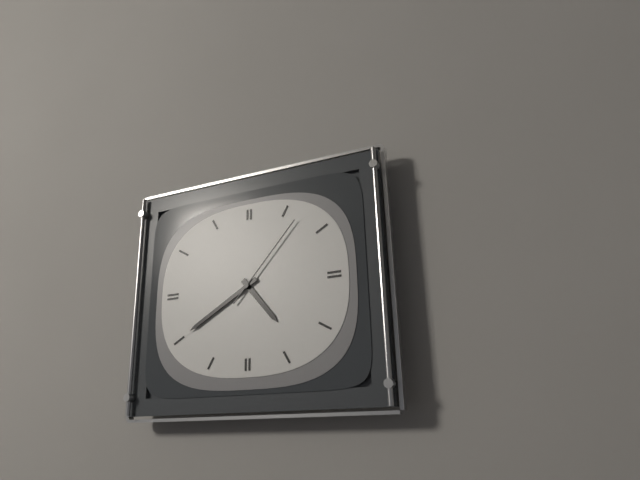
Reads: 4h40m07s
